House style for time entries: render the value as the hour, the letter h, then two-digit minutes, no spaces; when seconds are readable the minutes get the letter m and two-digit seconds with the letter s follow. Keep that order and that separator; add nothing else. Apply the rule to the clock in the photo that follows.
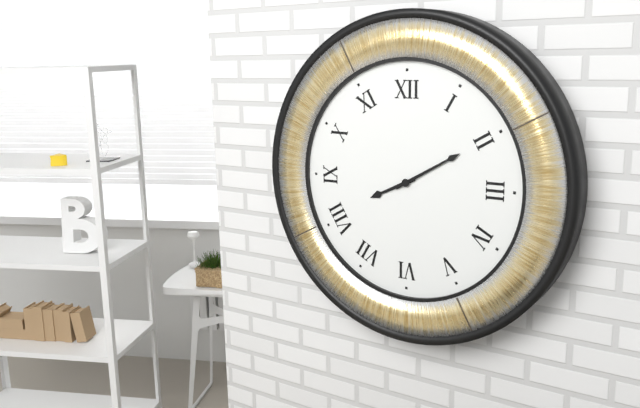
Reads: 8h10
